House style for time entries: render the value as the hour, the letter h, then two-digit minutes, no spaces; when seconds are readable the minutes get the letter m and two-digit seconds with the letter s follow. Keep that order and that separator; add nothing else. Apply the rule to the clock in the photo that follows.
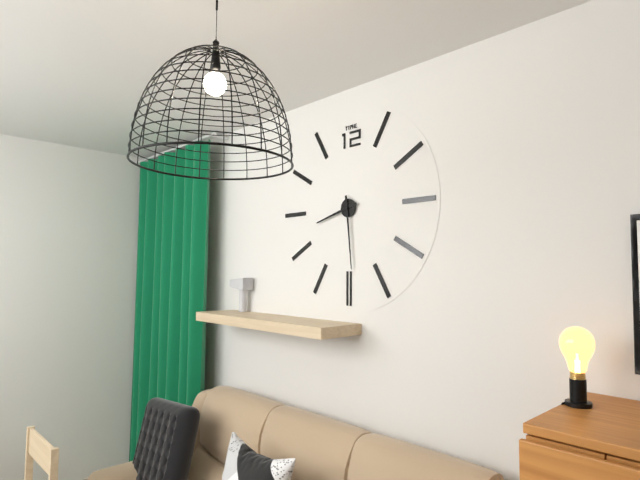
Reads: 8h29
